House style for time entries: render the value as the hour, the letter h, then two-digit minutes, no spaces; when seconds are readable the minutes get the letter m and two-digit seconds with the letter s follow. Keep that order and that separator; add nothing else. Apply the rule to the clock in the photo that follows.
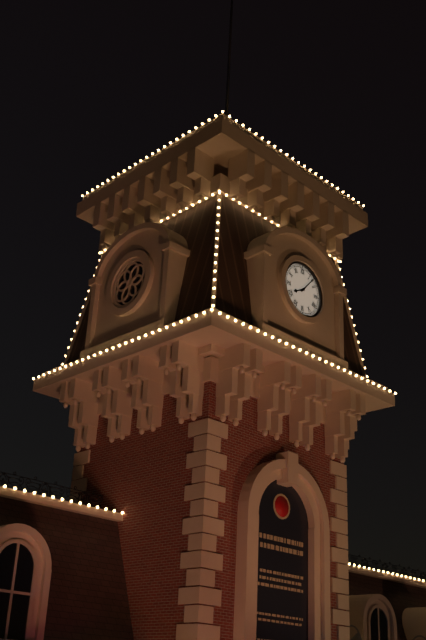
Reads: 8h07
